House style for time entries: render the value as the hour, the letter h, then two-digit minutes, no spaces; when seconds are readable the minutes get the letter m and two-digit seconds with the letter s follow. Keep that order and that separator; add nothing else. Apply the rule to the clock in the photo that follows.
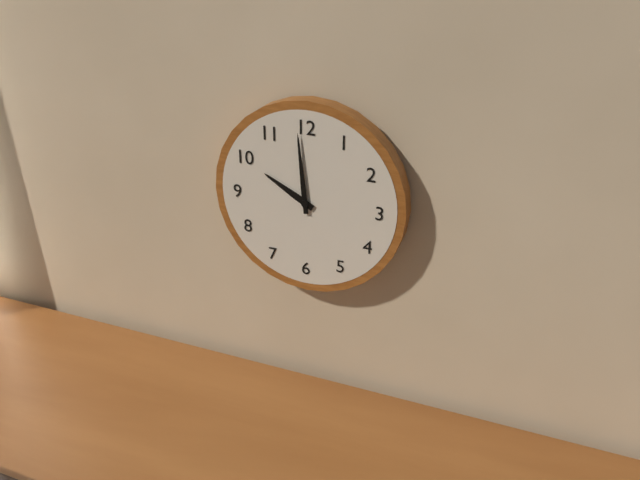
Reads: 9h59
